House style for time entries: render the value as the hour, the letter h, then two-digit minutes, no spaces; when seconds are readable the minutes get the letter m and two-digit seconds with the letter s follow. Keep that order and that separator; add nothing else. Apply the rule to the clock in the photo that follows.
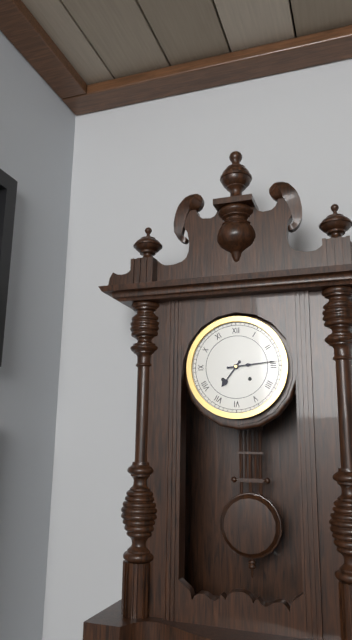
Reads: 7h14
